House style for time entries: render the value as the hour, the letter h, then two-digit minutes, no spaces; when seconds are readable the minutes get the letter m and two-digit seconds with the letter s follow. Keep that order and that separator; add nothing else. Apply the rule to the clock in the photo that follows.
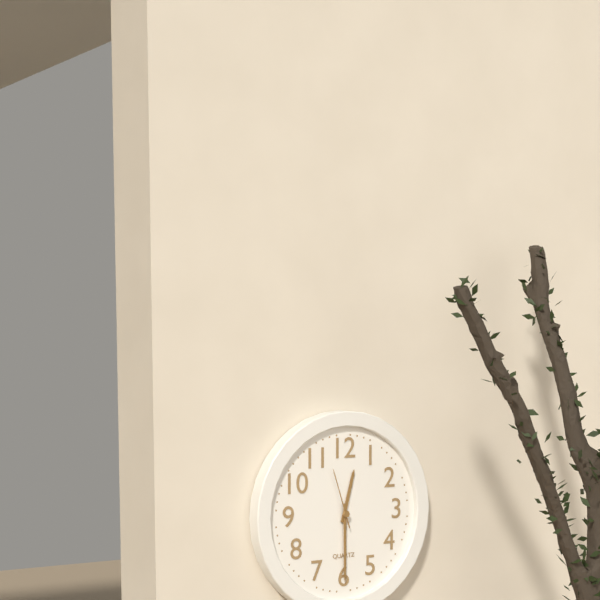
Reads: 12h30m57s
